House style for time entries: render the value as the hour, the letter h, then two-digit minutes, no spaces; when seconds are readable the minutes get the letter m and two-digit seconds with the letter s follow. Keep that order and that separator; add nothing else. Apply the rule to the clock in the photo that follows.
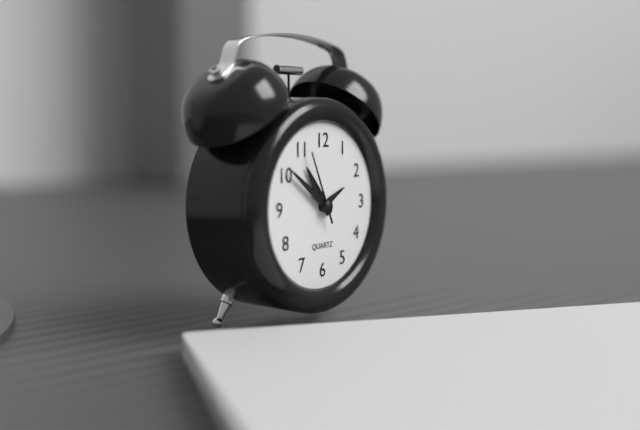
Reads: 10h51m56s
